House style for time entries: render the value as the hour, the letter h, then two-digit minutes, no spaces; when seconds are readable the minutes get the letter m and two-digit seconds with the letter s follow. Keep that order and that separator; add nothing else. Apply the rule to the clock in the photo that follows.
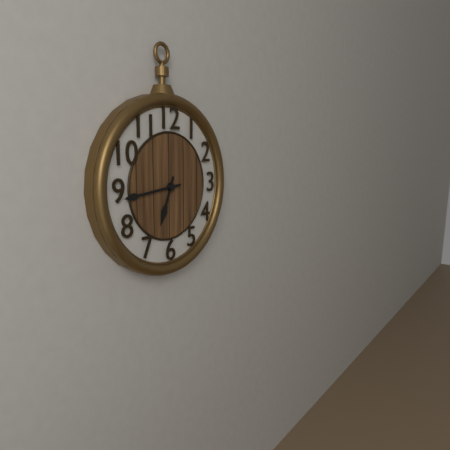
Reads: 6h44
